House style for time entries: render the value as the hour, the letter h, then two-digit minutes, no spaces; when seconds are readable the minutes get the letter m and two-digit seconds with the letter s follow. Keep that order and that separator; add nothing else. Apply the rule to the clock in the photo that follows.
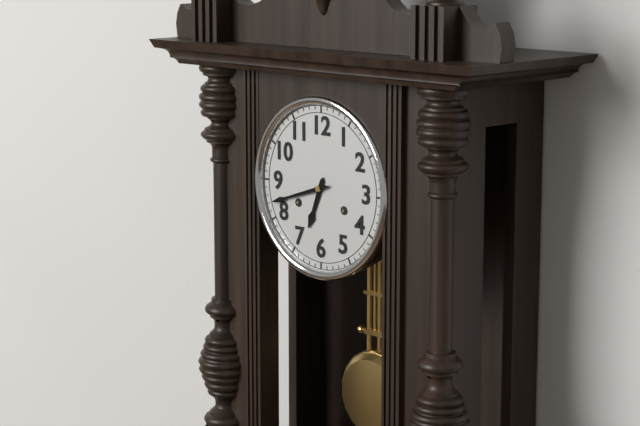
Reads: 6h42
